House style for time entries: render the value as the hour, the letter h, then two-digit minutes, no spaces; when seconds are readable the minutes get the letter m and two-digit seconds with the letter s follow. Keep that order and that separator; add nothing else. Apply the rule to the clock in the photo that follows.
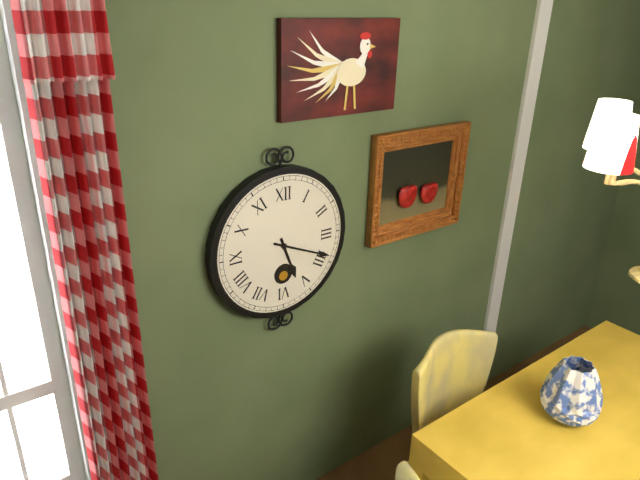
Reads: 5h19
